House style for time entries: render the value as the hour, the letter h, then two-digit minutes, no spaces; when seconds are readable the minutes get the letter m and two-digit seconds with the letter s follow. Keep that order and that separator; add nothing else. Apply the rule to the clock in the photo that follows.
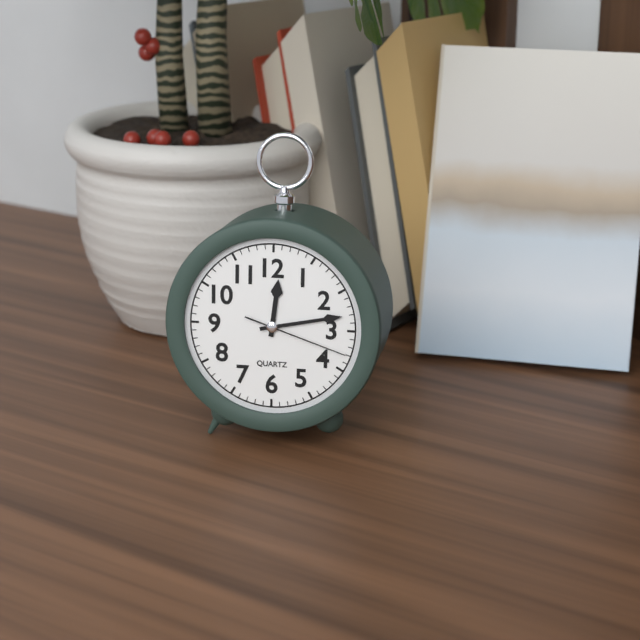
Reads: 12h13m18s
